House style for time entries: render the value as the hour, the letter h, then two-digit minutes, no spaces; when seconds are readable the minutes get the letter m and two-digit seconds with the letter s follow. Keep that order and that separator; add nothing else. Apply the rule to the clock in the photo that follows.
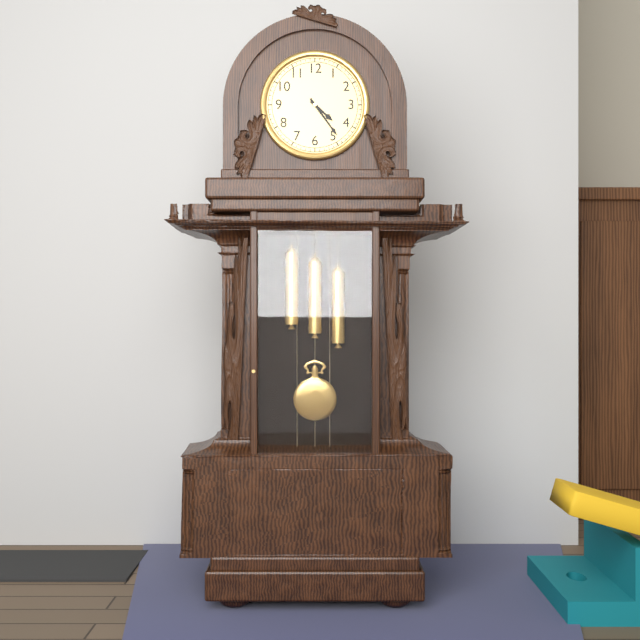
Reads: 4h24
